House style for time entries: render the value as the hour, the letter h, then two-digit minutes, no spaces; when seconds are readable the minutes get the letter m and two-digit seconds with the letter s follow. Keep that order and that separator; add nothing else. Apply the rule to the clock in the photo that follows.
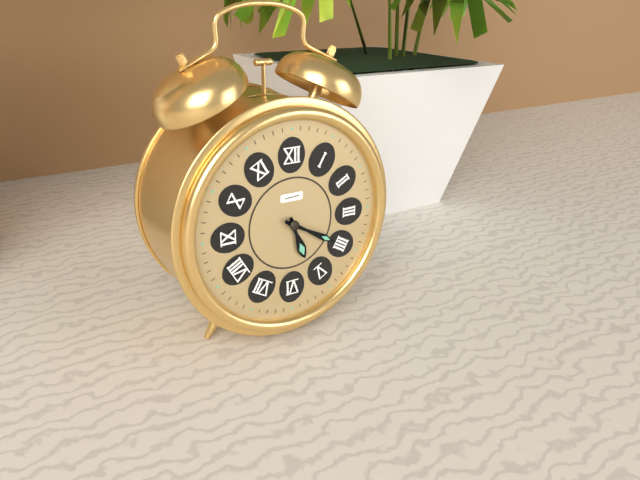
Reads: 5h20
